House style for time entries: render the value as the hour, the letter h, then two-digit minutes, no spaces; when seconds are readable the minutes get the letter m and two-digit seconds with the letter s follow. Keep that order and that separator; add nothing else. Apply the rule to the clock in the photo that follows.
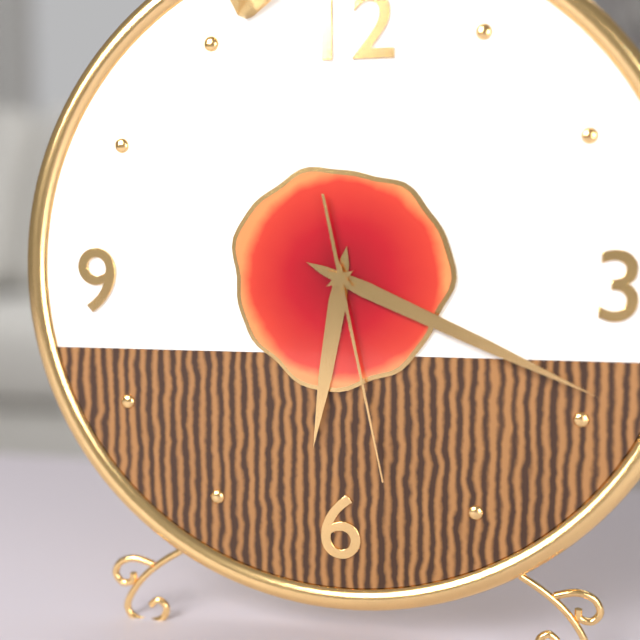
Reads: 6h19m28s
